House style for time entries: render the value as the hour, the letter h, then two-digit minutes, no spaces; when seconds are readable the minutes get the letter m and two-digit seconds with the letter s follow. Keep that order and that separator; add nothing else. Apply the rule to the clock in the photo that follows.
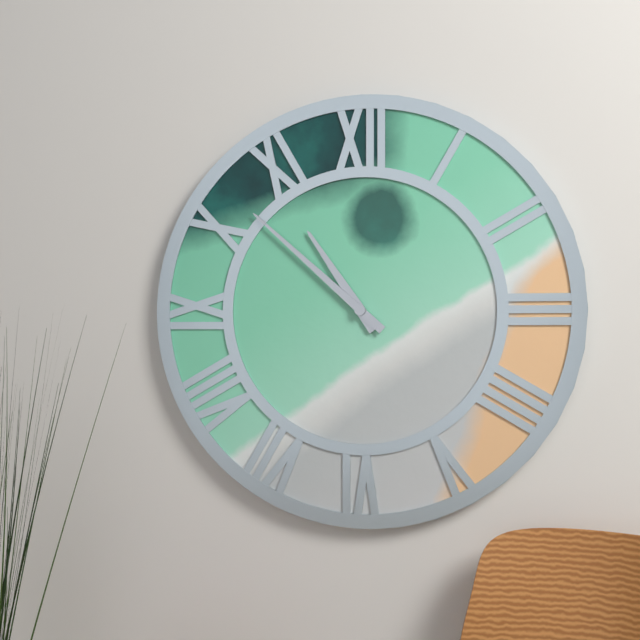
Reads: 10h52
